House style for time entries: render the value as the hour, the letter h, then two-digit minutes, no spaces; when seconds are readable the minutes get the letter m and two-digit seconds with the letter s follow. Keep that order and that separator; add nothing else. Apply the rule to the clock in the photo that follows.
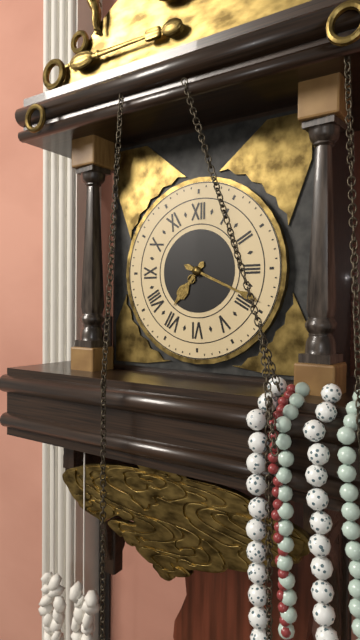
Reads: 7h19
